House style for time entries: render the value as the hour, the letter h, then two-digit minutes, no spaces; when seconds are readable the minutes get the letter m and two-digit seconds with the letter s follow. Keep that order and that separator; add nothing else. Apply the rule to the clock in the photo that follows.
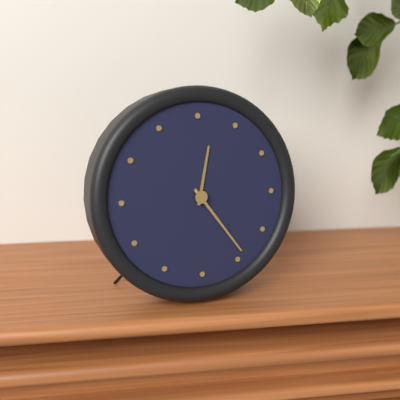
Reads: 12h24
